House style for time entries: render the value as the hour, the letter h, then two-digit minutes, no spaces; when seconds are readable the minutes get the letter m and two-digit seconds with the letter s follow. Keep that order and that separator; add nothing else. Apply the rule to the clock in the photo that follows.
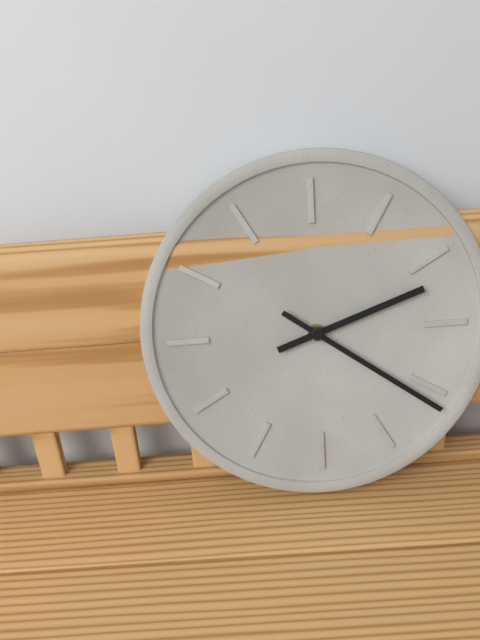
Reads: 2h21
